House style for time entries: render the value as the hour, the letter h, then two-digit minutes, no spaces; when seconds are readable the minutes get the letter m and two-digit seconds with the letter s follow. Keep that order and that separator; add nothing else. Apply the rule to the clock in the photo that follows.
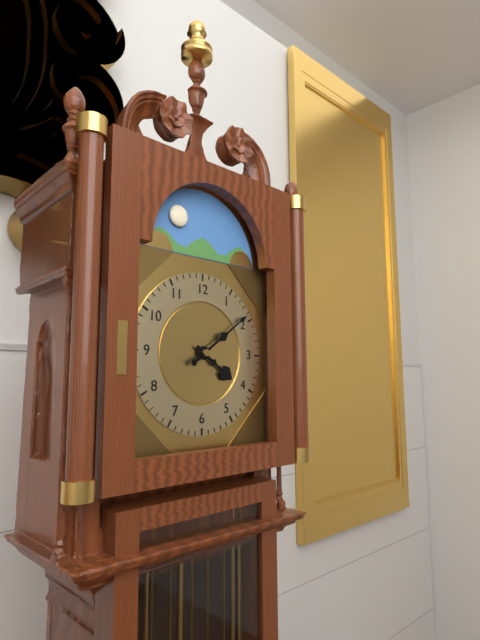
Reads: 4h09
